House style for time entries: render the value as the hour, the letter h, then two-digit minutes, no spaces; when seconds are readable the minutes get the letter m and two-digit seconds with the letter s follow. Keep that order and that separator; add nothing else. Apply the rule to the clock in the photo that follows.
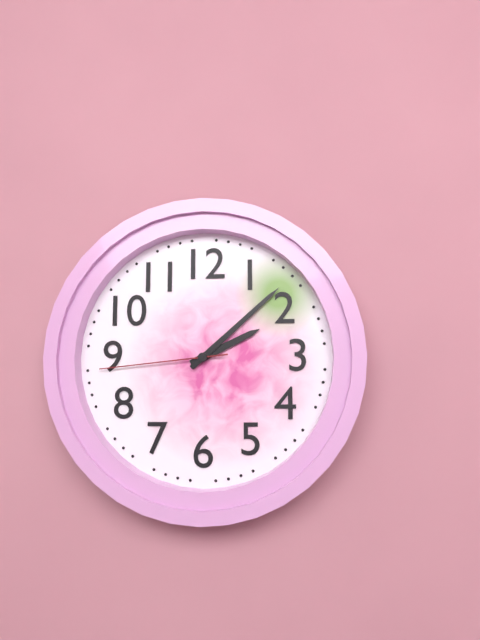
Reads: 2h08m44s
